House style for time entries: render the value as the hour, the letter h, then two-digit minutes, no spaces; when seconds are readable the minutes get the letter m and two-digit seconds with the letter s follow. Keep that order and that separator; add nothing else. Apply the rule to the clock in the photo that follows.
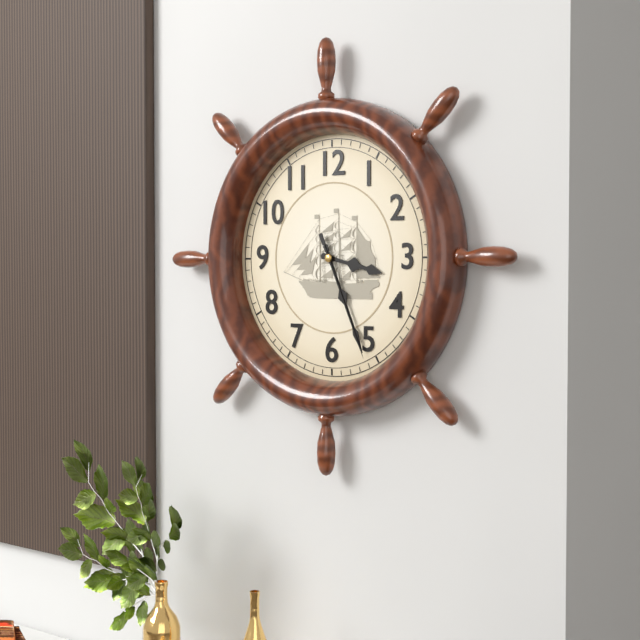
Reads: 3h26m26s
